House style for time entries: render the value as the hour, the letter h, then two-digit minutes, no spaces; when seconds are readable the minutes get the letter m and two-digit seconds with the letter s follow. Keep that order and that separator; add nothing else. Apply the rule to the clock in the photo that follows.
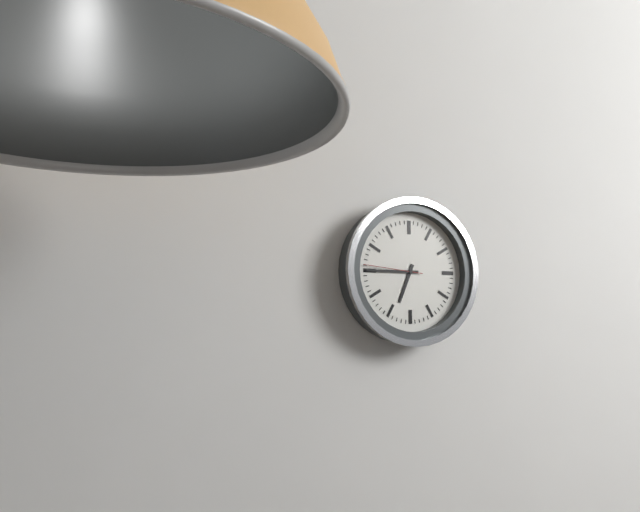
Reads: 6h45m46s
